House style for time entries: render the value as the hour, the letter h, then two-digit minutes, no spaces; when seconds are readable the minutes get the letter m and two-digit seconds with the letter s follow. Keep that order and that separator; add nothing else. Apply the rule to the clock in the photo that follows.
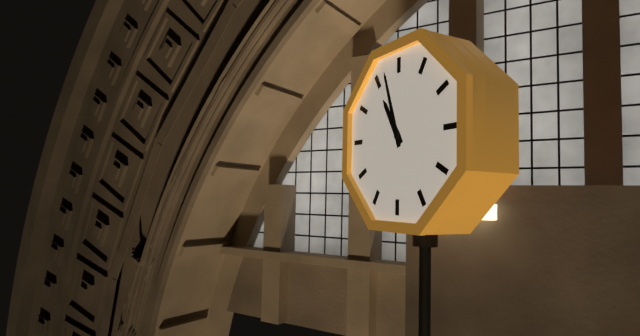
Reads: 10h57
